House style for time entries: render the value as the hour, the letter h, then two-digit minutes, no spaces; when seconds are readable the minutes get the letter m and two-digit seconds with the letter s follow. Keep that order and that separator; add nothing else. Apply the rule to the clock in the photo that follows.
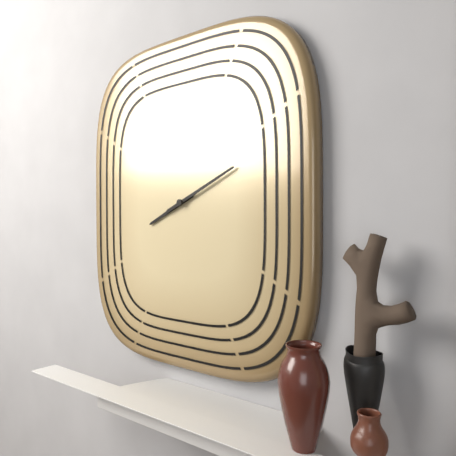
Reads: 8h11
